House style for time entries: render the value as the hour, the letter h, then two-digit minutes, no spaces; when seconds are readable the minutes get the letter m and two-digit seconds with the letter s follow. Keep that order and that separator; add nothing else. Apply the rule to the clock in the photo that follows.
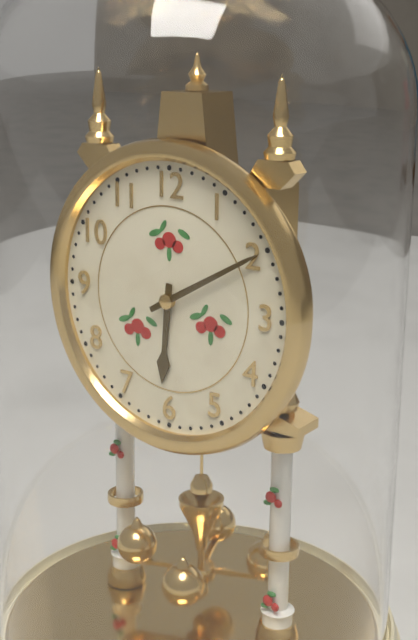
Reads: 6h10
